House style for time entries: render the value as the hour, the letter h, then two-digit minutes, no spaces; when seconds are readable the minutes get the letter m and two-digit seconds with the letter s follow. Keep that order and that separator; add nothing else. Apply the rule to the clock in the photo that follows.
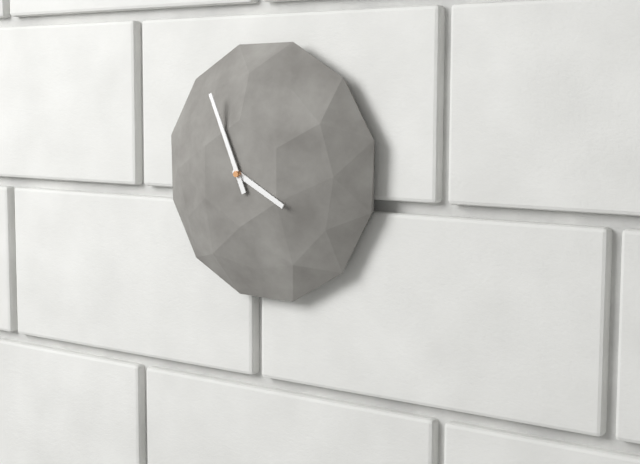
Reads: 3h56
